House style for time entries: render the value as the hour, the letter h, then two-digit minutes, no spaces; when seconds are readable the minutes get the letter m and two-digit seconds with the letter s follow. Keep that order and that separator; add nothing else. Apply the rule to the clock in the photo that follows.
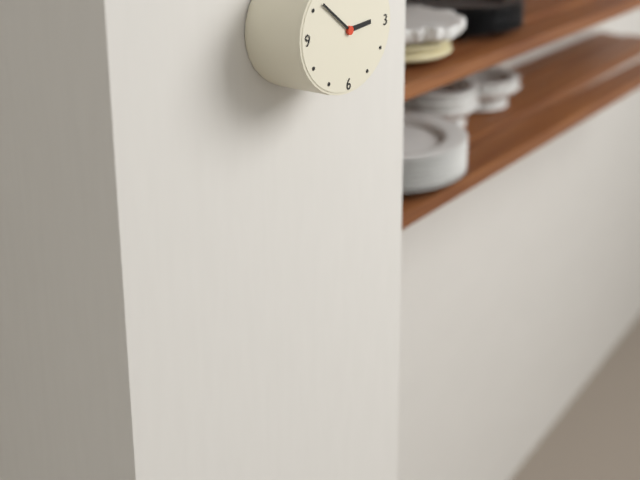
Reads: 2h51
